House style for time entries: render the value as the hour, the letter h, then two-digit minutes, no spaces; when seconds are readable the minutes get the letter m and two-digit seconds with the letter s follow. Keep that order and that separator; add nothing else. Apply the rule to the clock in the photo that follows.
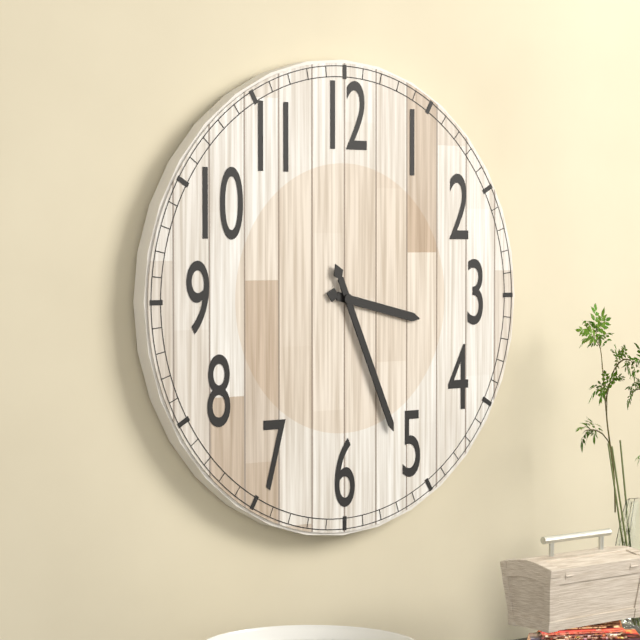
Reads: 3h26
